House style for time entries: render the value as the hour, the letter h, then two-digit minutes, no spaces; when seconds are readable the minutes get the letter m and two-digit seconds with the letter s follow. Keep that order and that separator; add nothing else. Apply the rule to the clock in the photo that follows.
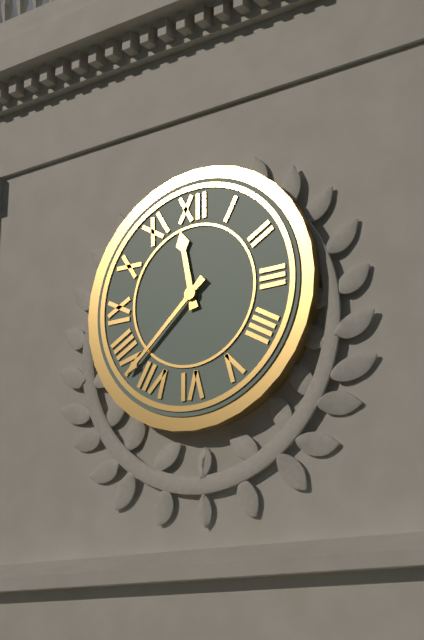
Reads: 11h38
